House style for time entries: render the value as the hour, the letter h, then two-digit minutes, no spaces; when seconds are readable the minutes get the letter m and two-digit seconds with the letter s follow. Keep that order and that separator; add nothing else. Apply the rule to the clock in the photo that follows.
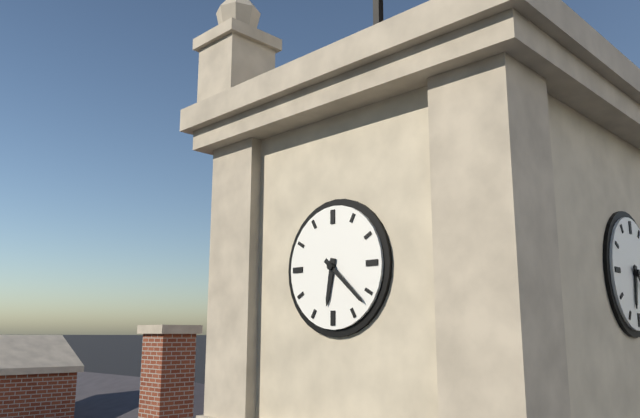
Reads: 6h22
